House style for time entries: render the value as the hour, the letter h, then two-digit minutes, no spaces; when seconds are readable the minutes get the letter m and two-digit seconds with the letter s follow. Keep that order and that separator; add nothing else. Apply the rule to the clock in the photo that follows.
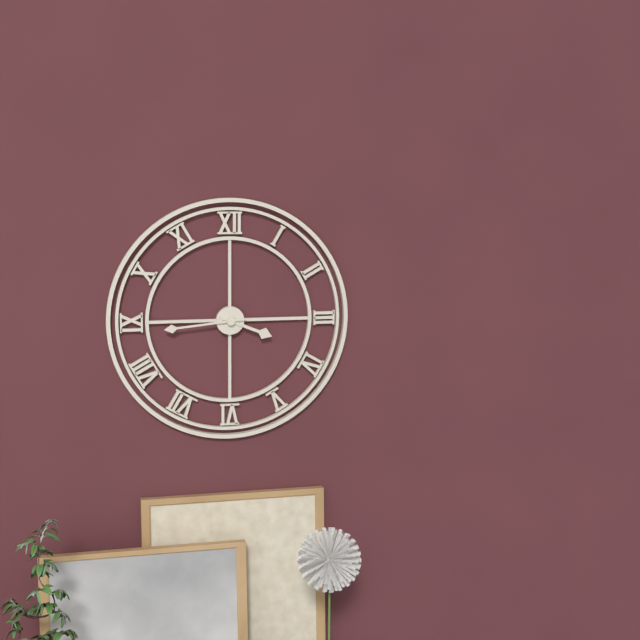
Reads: 3h44
